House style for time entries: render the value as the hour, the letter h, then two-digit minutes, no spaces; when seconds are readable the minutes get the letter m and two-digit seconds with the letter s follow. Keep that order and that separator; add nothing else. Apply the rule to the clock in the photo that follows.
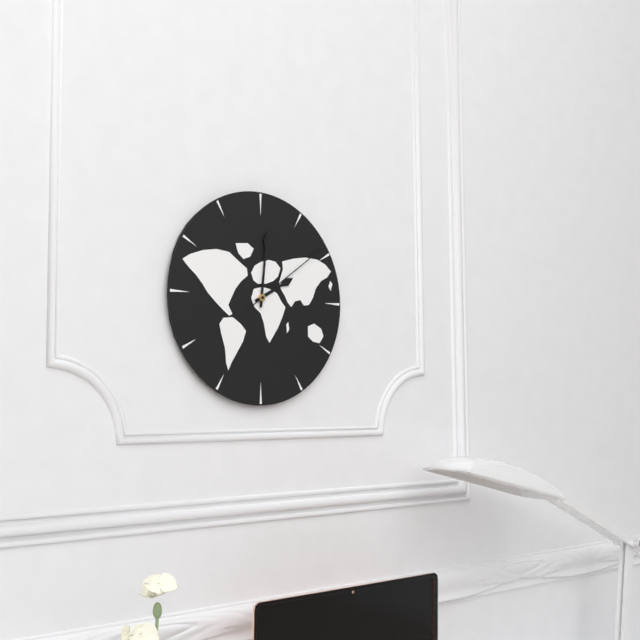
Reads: 2h01m09s
